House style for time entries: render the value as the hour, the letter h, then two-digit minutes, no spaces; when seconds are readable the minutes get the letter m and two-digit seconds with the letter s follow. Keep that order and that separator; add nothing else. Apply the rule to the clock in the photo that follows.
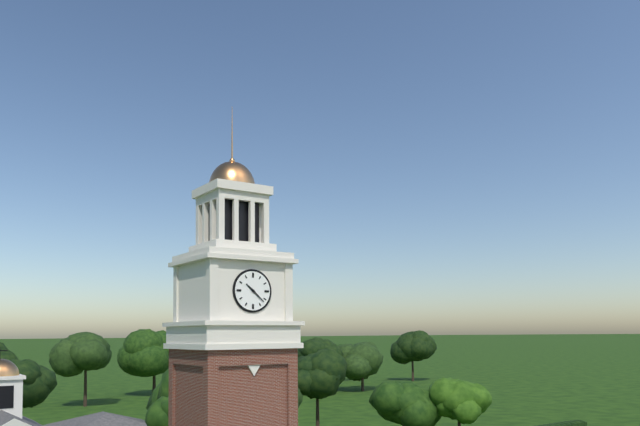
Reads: 10h22
